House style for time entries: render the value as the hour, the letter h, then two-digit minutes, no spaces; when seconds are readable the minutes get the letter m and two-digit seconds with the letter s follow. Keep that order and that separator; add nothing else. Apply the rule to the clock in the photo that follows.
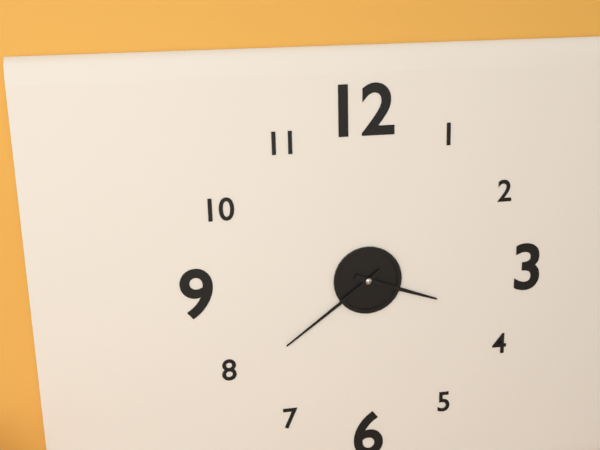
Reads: 3h39
